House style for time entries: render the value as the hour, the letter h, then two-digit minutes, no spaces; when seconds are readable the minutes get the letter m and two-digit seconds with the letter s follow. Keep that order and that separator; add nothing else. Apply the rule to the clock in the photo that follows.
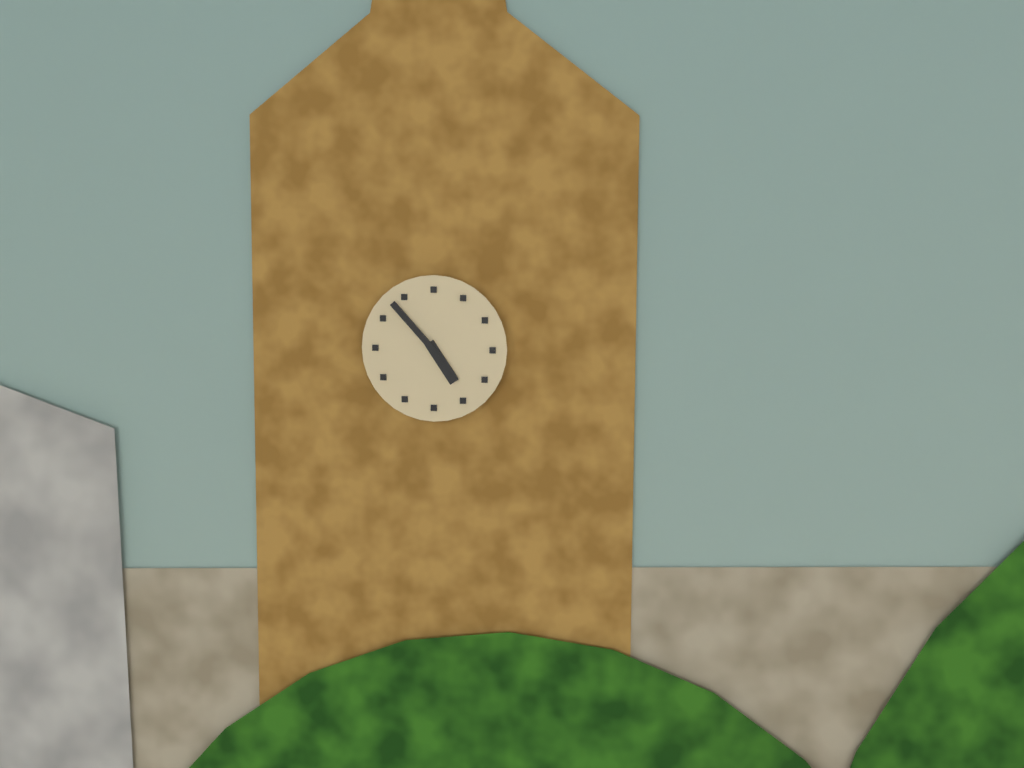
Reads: 4h53
